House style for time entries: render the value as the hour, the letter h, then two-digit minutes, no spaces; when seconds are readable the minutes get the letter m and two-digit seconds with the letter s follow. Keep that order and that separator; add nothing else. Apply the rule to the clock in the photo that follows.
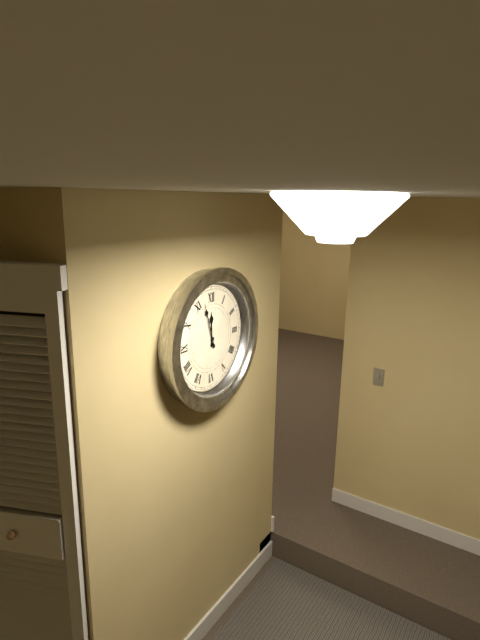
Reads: 11h57
